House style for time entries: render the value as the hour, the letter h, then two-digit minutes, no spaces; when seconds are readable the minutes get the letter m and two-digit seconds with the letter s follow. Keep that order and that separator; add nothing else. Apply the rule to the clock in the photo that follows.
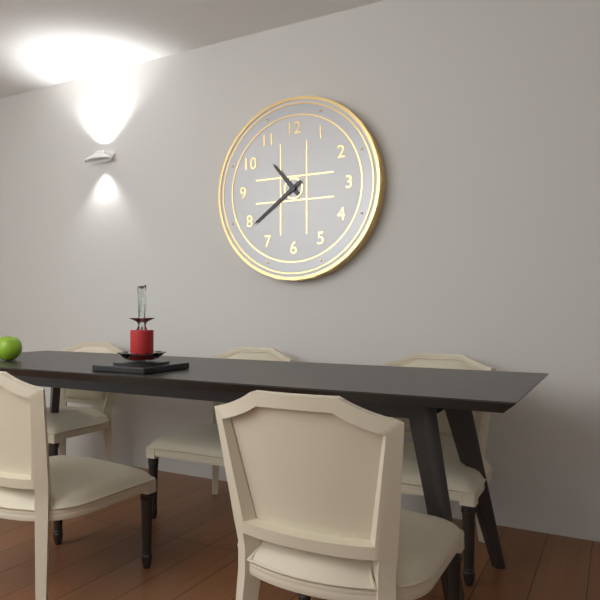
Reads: 10h39
